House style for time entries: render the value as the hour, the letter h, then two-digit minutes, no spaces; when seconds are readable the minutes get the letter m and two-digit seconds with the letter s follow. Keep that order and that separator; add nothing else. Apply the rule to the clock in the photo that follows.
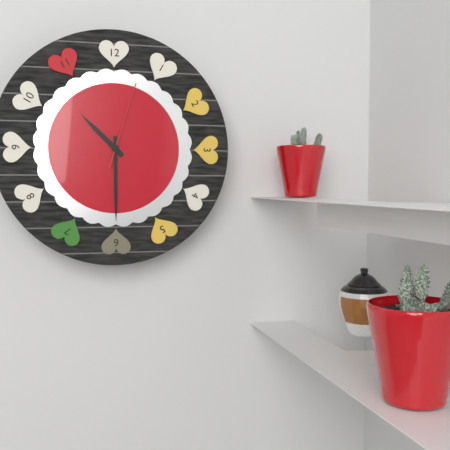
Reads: 10h30m03s
